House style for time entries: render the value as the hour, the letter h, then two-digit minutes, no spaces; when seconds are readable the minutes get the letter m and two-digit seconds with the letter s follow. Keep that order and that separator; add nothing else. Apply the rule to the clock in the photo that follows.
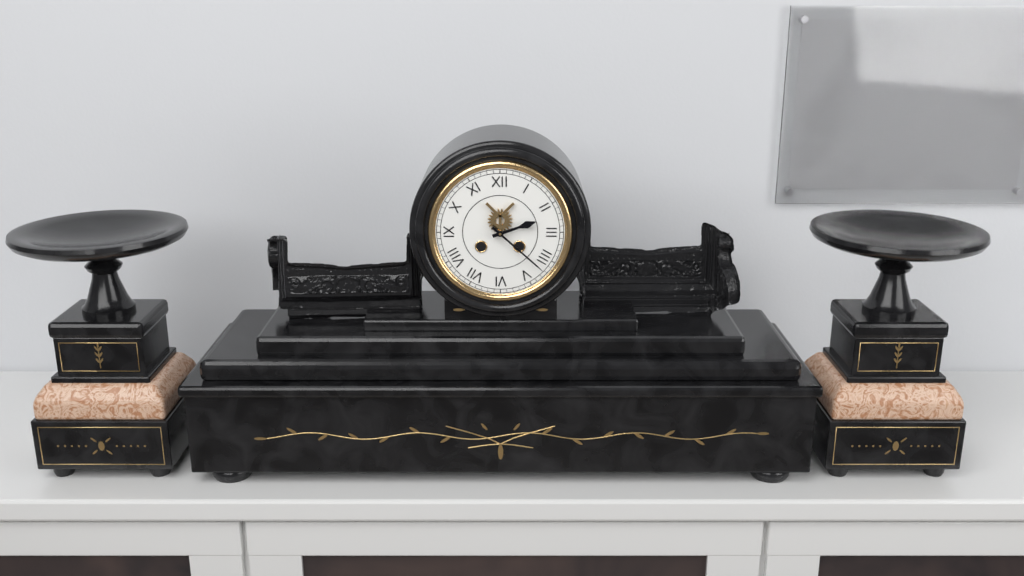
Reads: 2h22
